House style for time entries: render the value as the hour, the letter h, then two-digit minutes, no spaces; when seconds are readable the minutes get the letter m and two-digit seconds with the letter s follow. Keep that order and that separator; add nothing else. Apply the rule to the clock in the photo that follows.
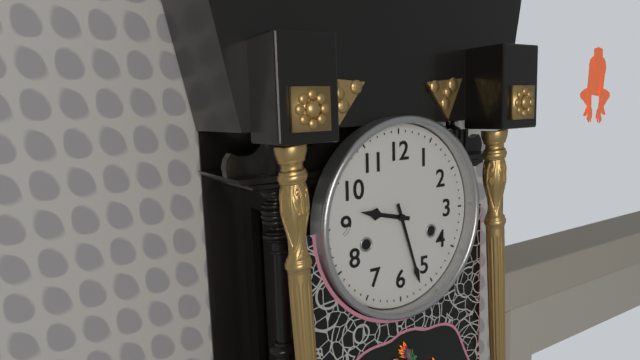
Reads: 9h27
